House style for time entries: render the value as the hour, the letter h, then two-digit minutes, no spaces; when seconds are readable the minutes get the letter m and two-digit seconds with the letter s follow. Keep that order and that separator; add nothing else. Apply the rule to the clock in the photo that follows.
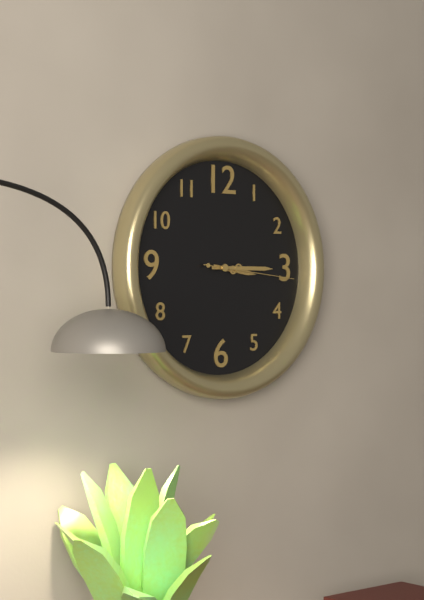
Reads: 3h15m16s
